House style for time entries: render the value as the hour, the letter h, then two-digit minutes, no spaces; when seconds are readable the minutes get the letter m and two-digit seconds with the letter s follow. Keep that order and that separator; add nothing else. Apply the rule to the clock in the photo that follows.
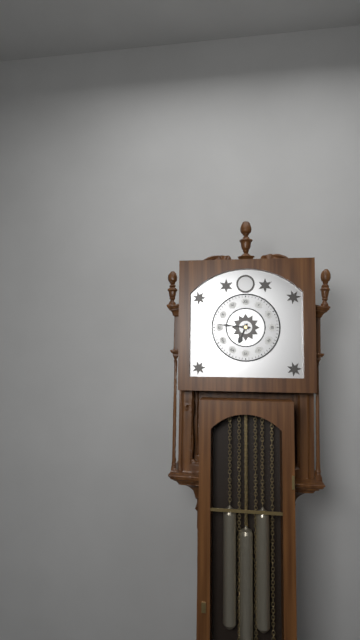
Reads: 6h46
